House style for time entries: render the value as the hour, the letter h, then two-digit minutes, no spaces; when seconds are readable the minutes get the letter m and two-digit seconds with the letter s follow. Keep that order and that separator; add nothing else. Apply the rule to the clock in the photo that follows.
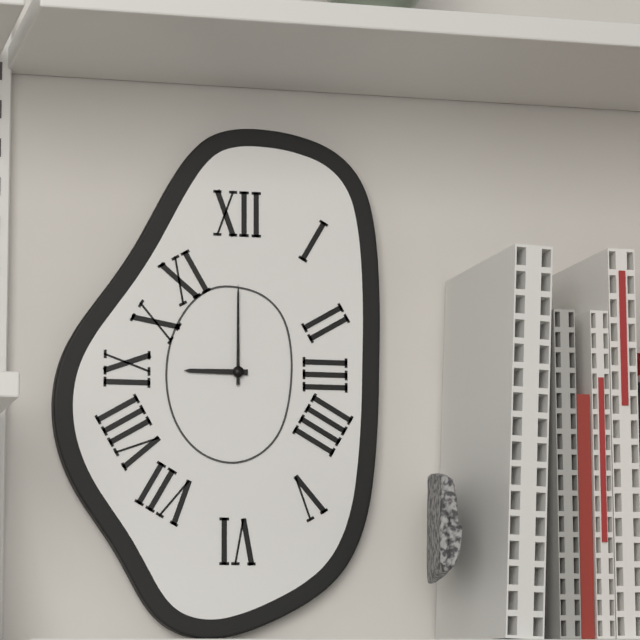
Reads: 9h00
